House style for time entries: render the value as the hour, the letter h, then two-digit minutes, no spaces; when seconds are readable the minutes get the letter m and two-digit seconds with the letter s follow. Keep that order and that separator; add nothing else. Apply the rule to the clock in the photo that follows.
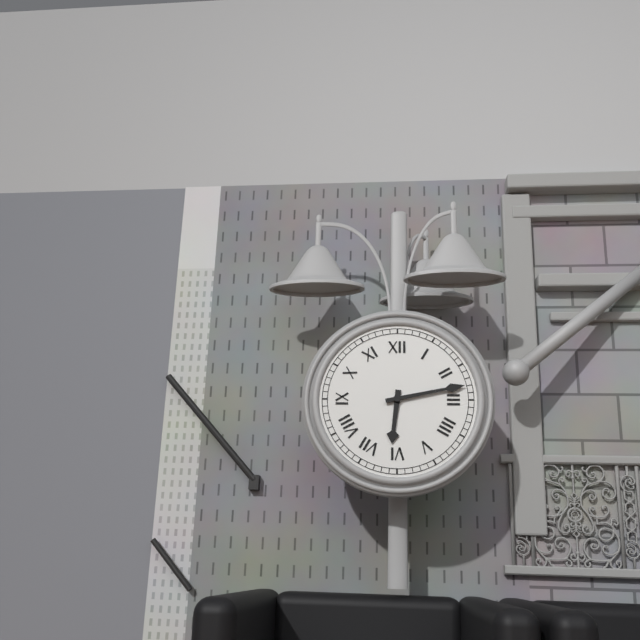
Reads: 6h13
